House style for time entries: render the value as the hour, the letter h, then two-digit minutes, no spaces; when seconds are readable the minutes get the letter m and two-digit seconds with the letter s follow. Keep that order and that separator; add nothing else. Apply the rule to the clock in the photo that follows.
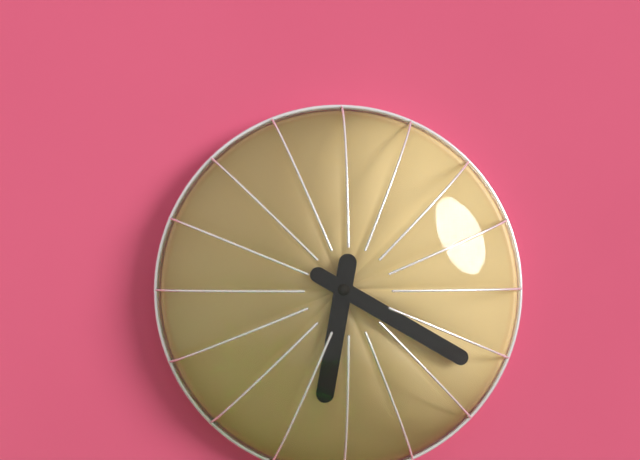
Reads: 6h20
